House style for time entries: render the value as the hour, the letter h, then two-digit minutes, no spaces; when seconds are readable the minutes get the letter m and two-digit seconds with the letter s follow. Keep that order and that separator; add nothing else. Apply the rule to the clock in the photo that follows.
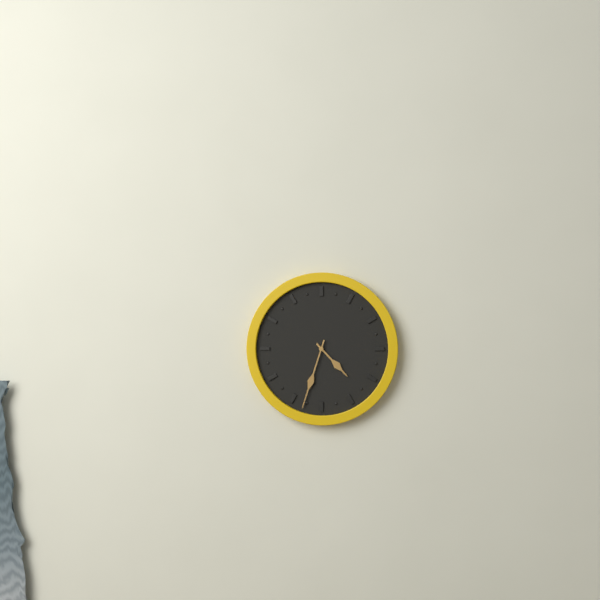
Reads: 4h33
